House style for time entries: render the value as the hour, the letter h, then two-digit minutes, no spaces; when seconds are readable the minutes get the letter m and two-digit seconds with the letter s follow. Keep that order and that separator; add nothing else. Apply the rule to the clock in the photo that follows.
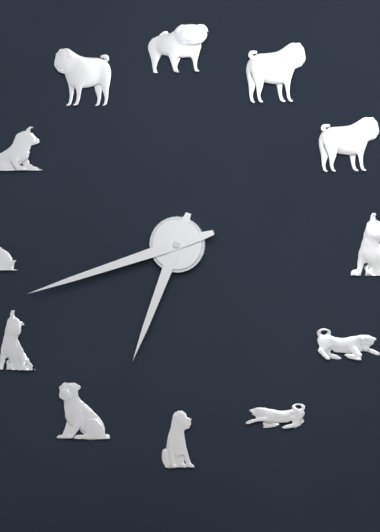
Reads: 6h42
